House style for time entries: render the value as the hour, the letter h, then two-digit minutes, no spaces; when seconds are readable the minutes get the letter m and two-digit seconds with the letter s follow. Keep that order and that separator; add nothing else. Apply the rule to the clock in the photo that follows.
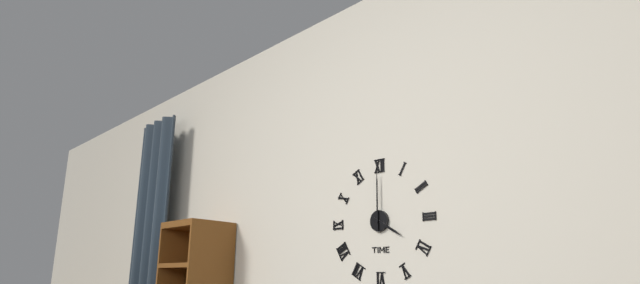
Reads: 4h00
